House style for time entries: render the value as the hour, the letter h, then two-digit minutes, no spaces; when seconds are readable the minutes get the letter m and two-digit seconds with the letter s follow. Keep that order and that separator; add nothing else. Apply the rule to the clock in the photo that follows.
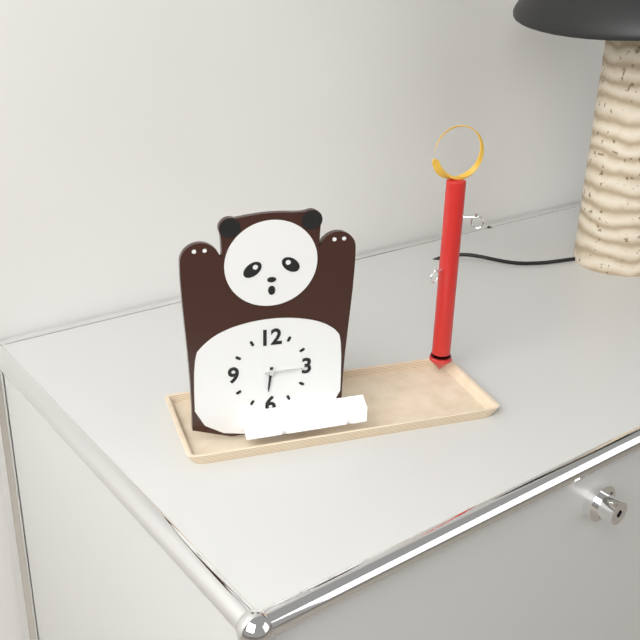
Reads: 6h15
